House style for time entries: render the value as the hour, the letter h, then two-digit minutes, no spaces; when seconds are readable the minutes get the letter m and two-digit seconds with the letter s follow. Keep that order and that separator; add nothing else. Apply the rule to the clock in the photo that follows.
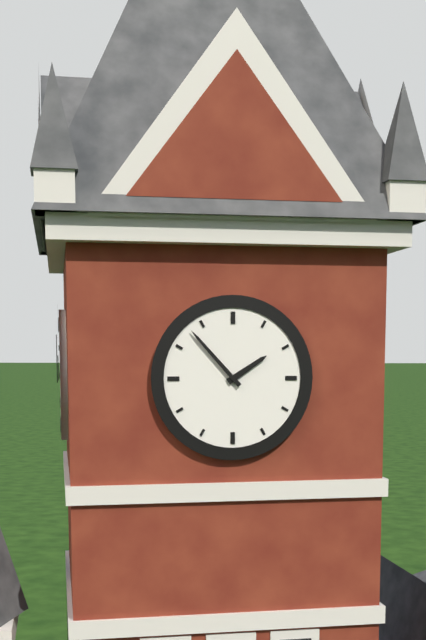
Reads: 1h53
